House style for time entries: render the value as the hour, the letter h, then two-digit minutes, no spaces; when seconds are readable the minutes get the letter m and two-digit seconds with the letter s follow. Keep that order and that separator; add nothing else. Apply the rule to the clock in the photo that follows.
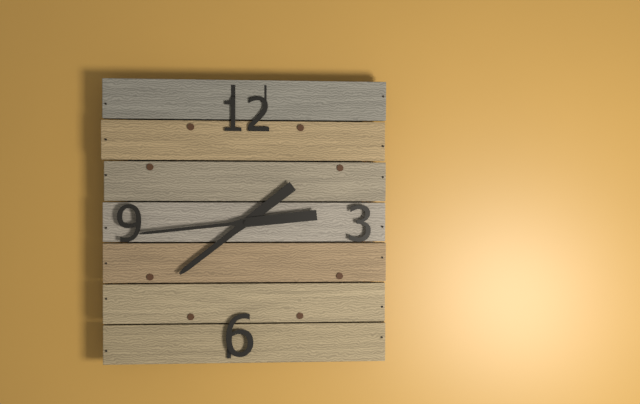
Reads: 7h44
